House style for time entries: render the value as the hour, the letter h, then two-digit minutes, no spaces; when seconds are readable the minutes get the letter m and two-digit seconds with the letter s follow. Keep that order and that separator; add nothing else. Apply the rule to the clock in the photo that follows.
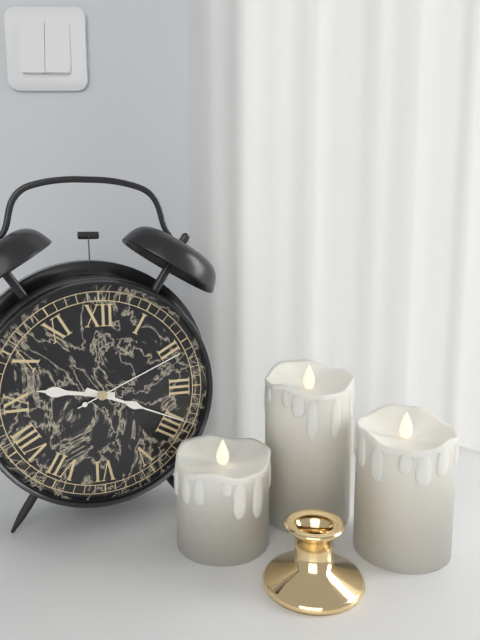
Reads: 9h19m11s
